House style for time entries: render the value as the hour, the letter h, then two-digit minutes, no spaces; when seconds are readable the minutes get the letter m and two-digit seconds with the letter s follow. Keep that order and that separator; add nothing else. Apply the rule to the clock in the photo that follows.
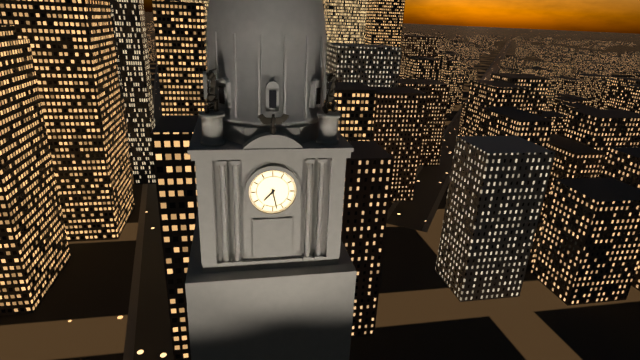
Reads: 7h28
